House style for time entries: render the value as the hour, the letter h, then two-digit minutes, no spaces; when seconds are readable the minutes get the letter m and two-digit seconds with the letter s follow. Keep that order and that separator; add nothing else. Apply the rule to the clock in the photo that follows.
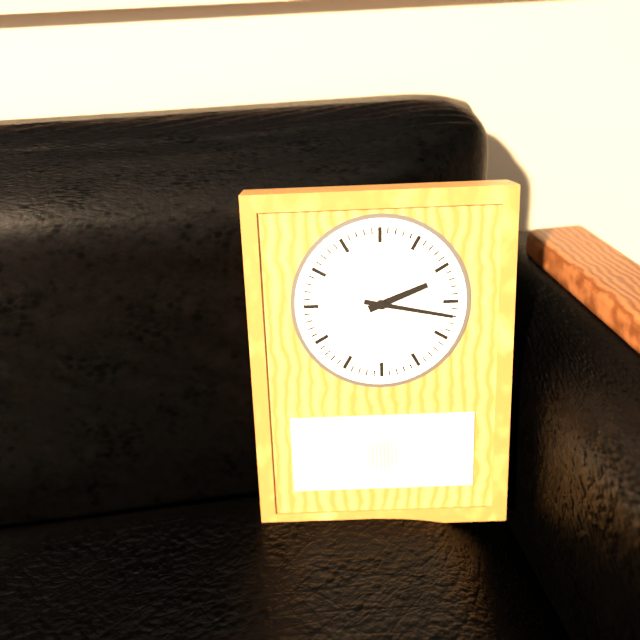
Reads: 2h17
